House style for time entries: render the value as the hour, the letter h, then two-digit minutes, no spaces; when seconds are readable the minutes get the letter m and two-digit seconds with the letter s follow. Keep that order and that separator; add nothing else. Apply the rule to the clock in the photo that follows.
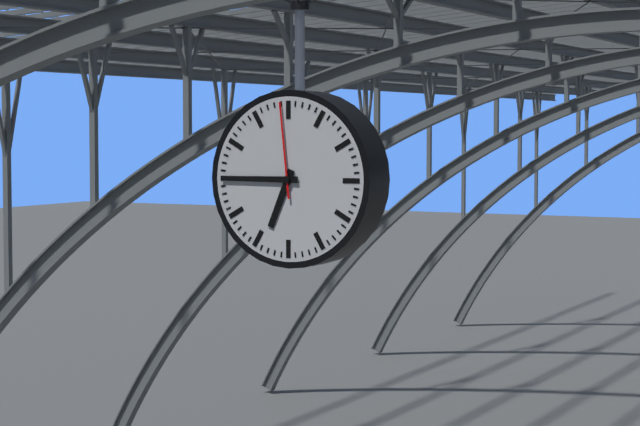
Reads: 6h45m59s
